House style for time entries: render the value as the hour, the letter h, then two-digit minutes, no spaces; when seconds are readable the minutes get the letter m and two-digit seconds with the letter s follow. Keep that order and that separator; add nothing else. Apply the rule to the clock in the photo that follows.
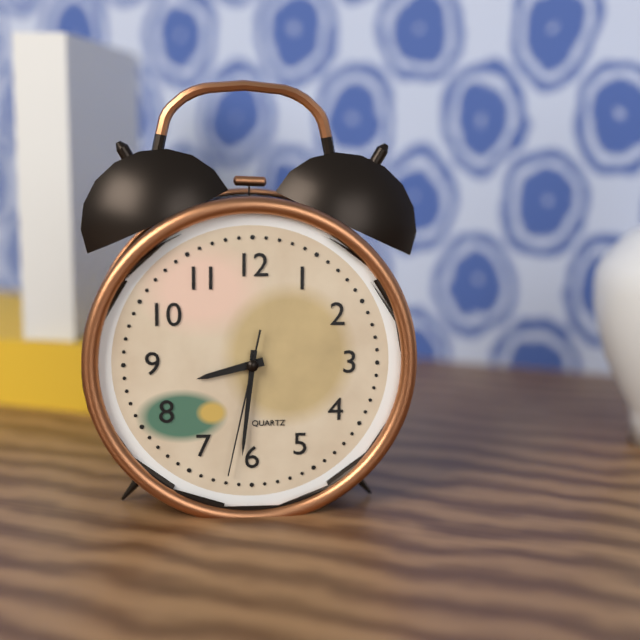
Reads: 8h31m32s
